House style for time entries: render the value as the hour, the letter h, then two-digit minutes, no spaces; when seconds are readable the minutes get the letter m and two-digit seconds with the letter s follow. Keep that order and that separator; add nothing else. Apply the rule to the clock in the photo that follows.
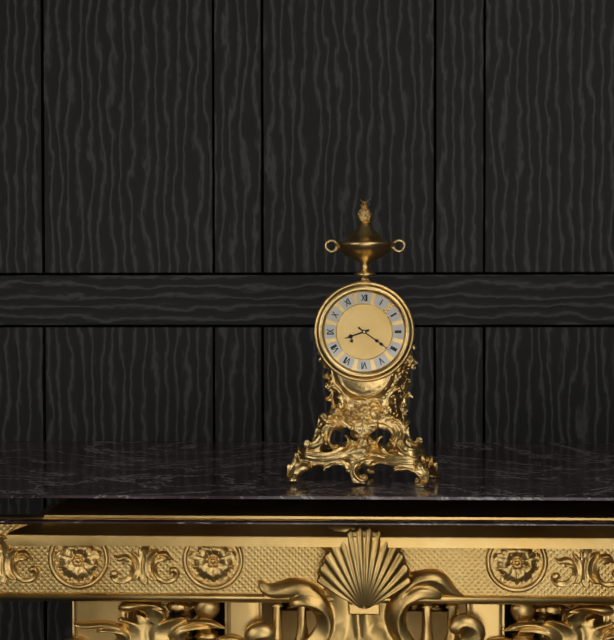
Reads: 8h21
